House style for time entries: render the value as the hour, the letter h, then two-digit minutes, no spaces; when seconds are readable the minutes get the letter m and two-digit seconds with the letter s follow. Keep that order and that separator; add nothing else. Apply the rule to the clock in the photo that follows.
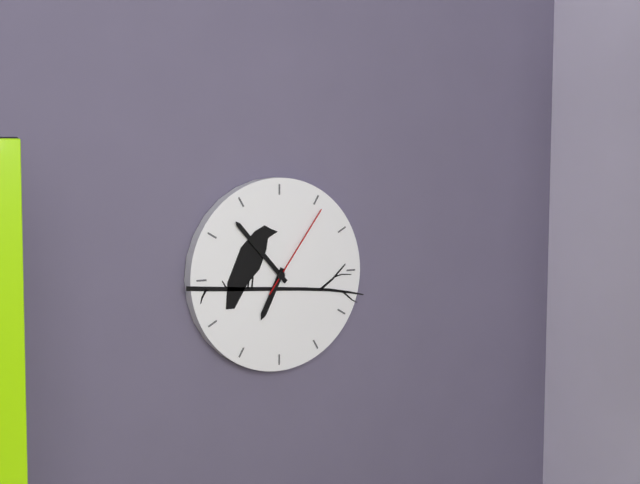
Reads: 6h53m06s
